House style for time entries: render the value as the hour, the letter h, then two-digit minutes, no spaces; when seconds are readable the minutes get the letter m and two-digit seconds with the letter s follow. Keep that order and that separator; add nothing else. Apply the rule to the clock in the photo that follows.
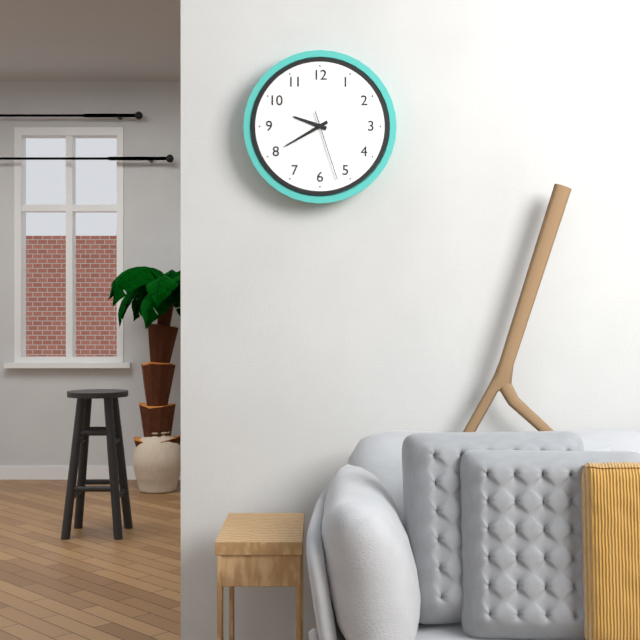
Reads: 9h40m27s
